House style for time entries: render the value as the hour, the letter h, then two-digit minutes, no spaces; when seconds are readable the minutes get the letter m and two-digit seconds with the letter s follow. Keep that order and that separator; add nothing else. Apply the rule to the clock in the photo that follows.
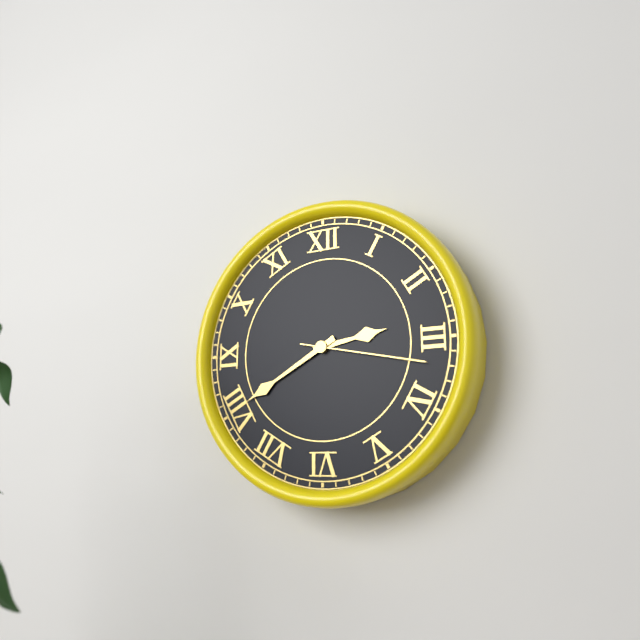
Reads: 2h40m17s
